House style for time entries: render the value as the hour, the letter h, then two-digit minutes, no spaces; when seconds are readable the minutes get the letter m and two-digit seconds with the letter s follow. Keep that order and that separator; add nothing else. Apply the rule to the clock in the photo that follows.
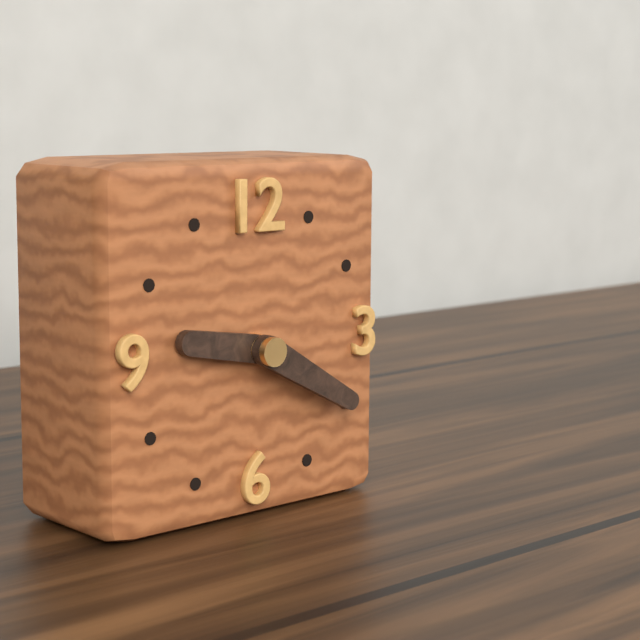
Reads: 9h20
